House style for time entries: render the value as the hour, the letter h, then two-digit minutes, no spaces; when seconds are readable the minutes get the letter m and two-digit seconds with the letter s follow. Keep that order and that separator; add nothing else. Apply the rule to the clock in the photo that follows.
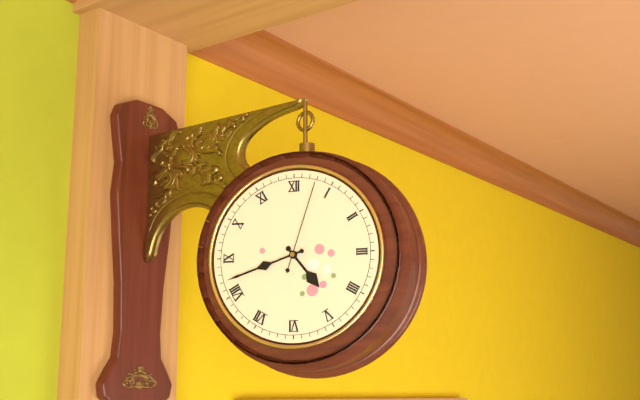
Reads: 4h42m03s
